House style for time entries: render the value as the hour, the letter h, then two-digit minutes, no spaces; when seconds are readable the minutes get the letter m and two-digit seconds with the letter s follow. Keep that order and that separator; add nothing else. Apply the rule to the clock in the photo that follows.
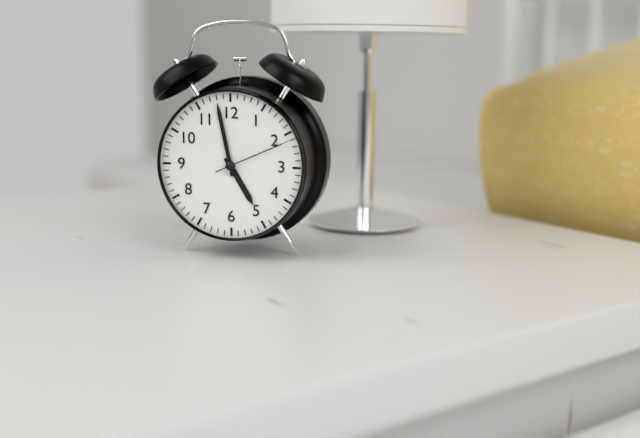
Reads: 4h58m11s
